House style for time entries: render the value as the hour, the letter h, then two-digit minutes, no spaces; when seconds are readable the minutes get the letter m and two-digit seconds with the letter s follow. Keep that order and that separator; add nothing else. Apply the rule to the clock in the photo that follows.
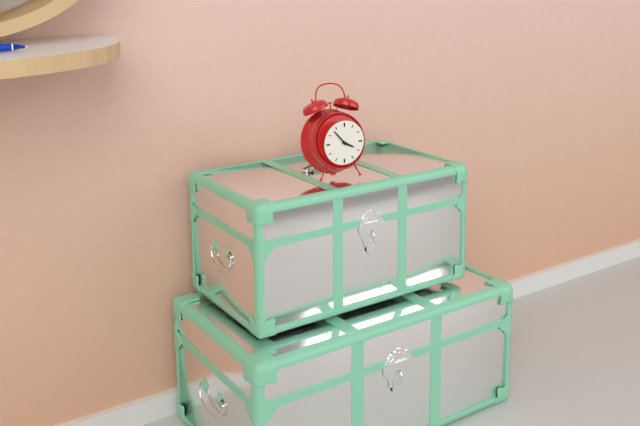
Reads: 3h53
